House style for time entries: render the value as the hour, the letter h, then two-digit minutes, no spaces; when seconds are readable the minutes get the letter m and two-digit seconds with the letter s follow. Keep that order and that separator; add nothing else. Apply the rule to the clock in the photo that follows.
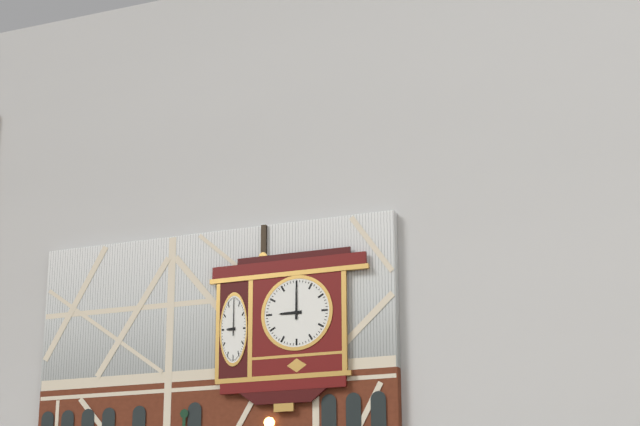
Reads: 9h00
